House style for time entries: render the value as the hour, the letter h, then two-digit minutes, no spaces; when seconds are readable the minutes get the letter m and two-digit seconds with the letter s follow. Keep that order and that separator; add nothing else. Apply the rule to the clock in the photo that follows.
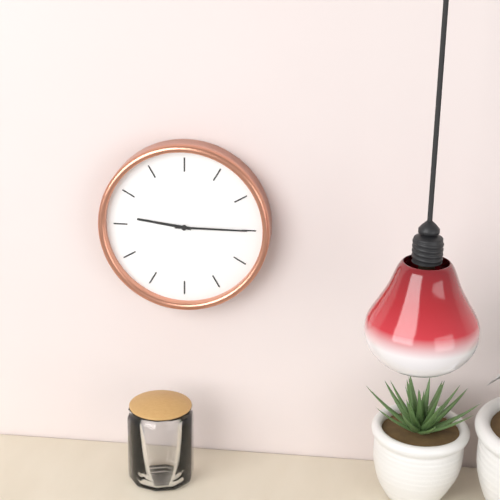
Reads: 9h15
